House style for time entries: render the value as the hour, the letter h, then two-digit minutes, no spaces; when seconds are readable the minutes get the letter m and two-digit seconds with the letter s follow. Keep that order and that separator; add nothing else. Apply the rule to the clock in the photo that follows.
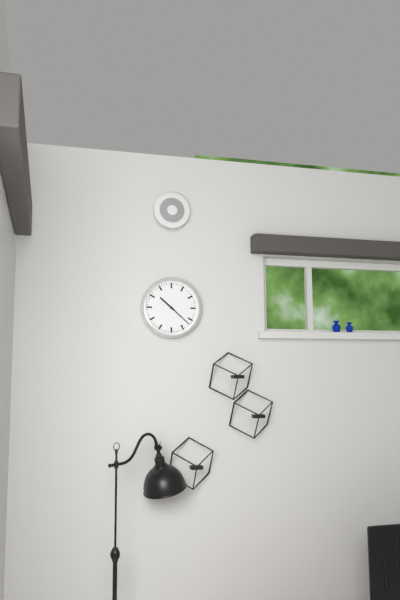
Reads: 10h22
